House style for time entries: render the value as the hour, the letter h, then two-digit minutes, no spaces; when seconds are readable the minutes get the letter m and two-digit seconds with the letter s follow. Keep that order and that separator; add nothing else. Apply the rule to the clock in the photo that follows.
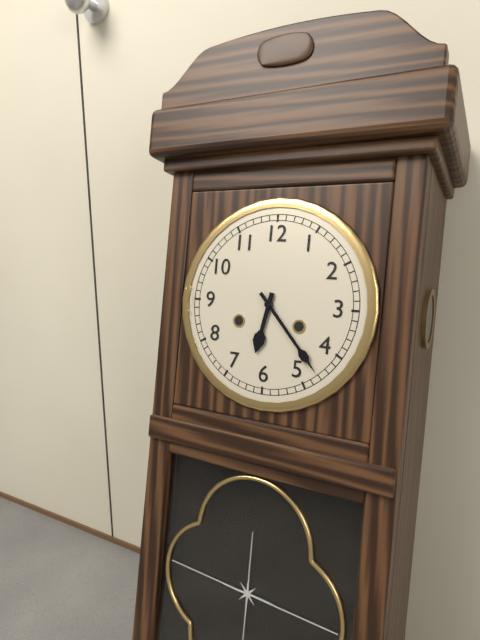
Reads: 6h23
